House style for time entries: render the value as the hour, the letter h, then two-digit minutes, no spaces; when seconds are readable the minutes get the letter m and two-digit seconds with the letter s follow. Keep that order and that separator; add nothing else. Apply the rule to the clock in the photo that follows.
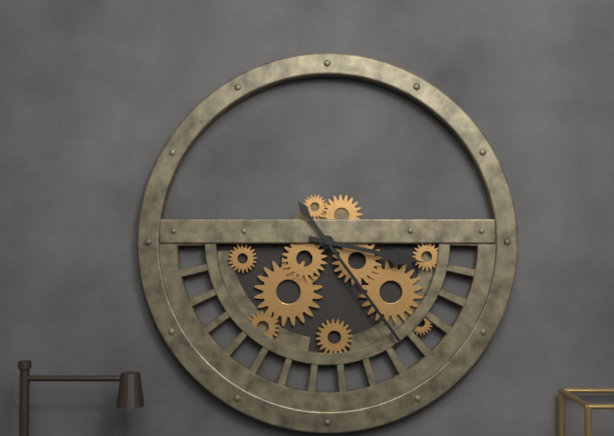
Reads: 3h24
